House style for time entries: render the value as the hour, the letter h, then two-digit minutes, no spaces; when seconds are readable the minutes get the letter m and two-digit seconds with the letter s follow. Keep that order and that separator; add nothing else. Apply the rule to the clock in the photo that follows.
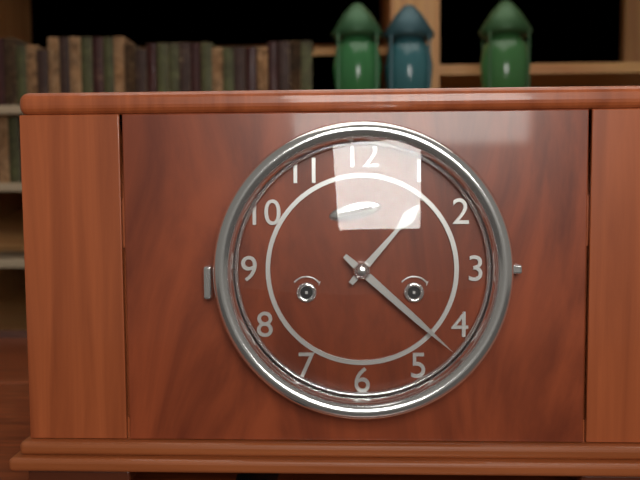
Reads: 1h22
